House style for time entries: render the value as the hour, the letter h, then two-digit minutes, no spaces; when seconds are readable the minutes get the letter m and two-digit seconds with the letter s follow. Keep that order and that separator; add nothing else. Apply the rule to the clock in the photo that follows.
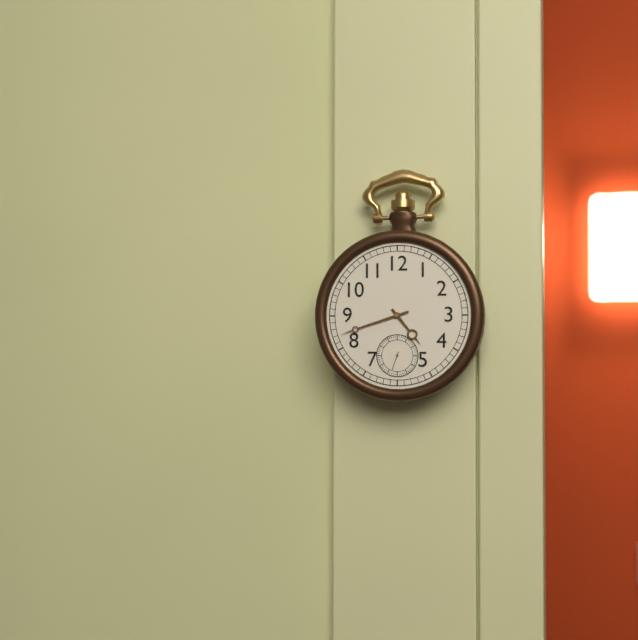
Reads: 4h42
